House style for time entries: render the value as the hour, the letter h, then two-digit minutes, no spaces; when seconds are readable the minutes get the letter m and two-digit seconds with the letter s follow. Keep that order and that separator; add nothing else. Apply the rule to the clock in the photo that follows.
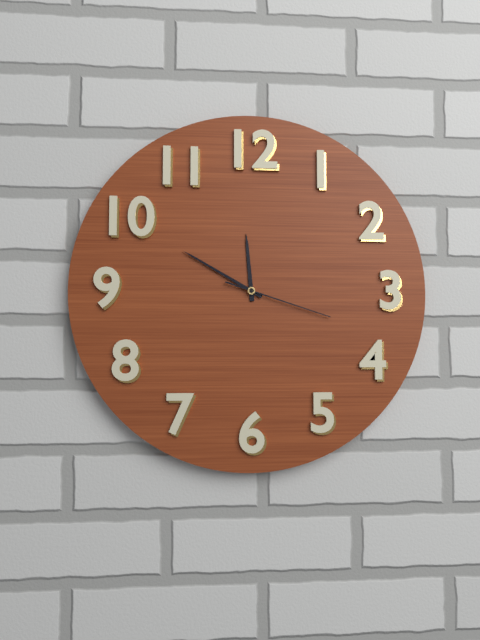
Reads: 11h50m18s
